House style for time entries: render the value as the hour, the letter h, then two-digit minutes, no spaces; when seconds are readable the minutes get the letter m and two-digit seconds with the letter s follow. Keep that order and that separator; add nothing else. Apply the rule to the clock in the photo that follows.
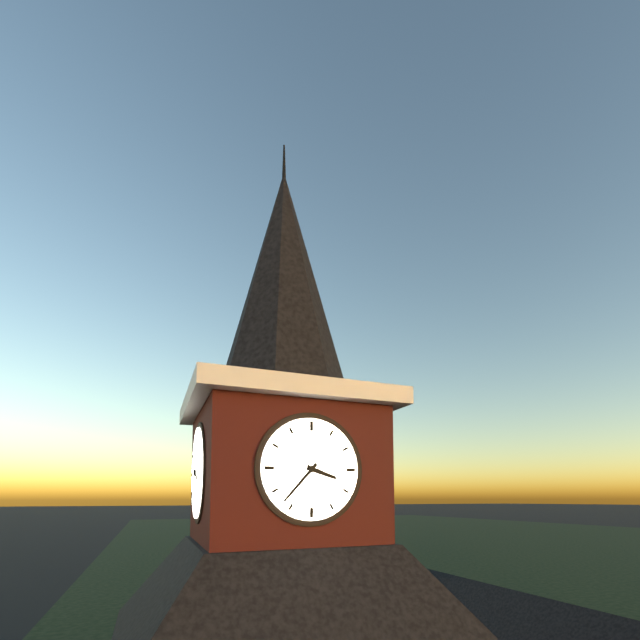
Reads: 3h37
